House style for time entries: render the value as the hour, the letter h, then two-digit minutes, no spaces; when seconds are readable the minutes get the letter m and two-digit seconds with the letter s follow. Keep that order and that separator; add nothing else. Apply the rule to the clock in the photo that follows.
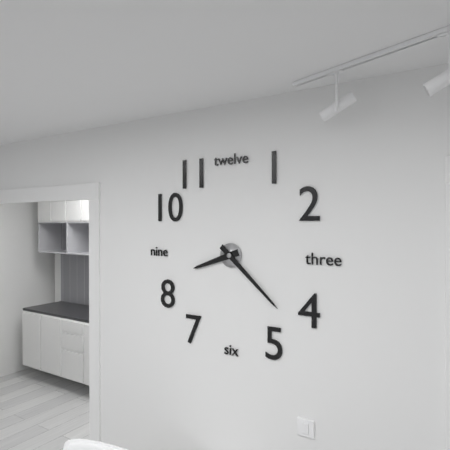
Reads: 8h22
